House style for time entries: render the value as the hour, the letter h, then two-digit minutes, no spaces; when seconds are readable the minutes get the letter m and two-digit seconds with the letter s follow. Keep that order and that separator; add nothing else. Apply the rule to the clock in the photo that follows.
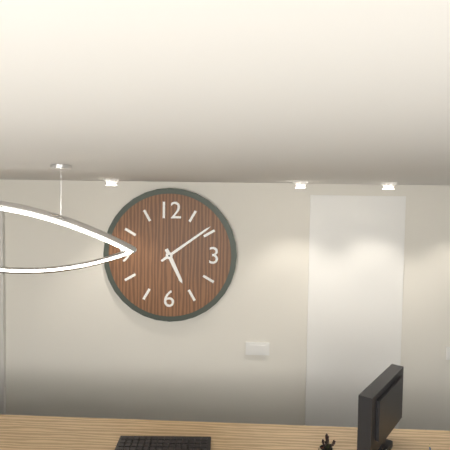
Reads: 5h09
